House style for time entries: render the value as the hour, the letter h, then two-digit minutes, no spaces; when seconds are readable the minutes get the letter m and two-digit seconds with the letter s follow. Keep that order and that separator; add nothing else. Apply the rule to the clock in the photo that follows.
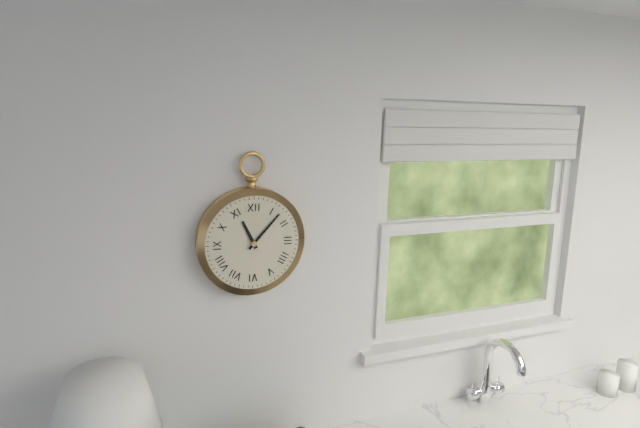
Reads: 11h07
